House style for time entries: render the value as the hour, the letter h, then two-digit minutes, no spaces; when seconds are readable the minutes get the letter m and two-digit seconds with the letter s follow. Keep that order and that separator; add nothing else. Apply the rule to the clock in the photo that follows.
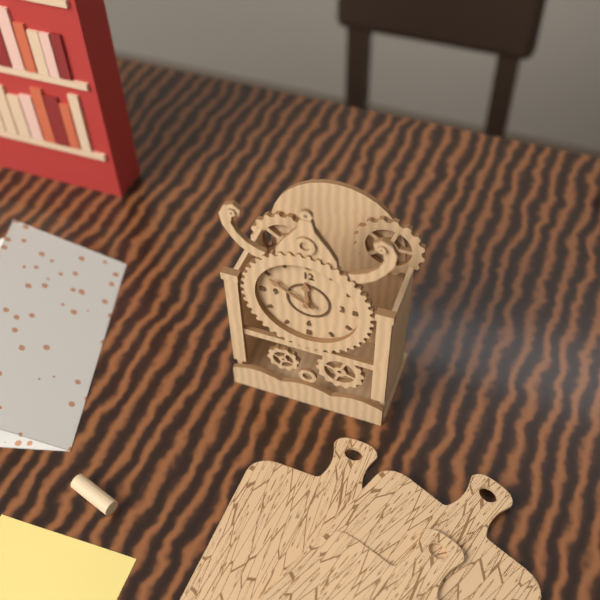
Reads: 11h50
